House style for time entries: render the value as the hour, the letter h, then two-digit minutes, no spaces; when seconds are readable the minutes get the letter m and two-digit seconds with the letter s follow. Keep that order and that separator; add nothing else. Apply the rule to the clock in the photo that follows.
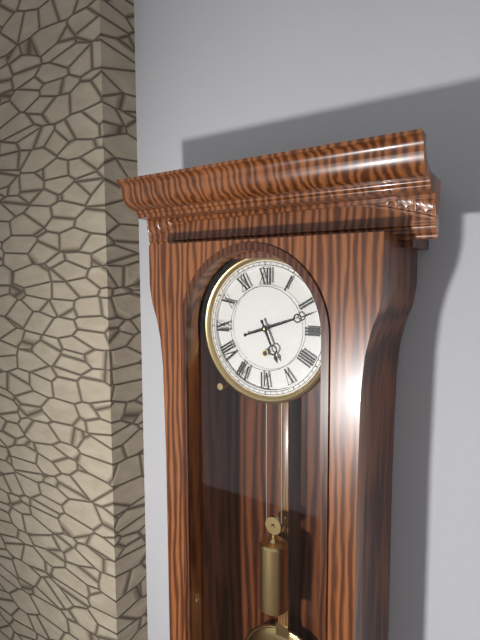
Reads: 5h12
